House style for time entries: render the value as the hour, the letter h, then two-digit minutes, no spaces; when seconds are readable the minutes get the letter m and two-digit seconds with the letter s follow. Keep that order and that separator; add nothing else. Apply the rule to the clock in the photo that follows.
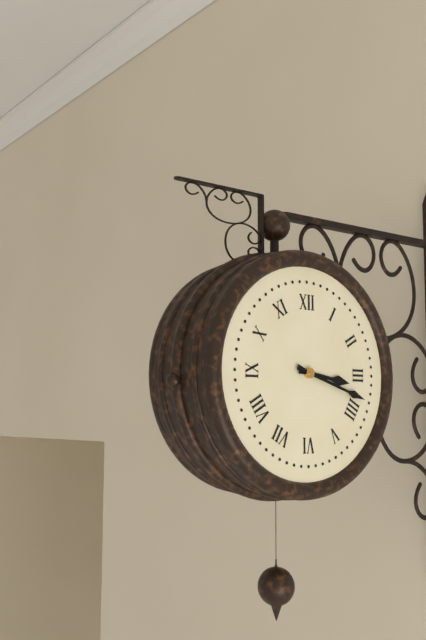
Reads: 3h18
